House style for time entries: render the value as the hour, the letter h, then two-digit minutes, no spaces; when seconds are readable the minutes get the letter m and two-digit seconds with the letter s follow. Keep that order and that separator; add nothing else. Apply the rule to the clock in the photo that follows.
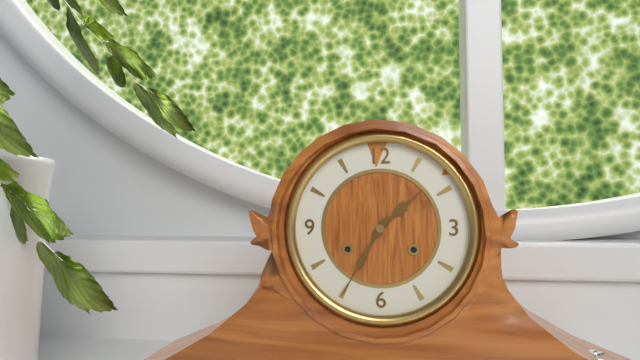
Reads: 1h35
